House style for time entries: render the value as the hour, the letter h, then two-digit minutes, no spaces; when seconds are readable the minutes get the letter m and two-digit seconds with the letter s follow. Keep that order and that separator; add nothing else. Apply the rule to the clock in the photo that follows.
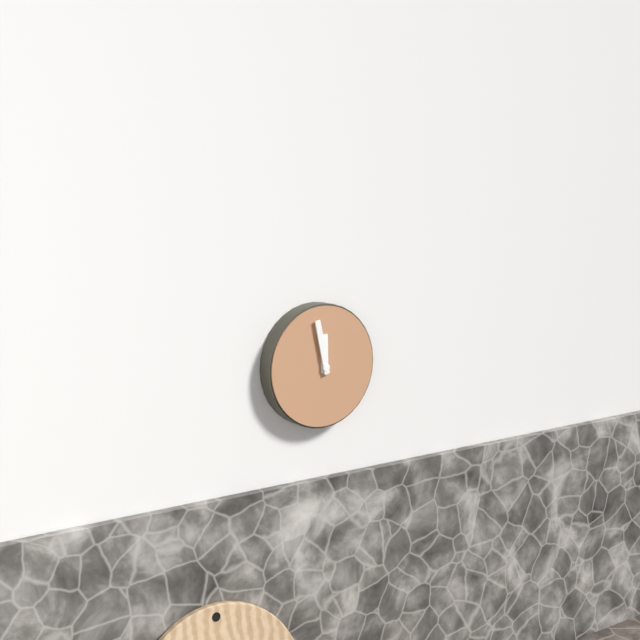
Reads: 11h58
